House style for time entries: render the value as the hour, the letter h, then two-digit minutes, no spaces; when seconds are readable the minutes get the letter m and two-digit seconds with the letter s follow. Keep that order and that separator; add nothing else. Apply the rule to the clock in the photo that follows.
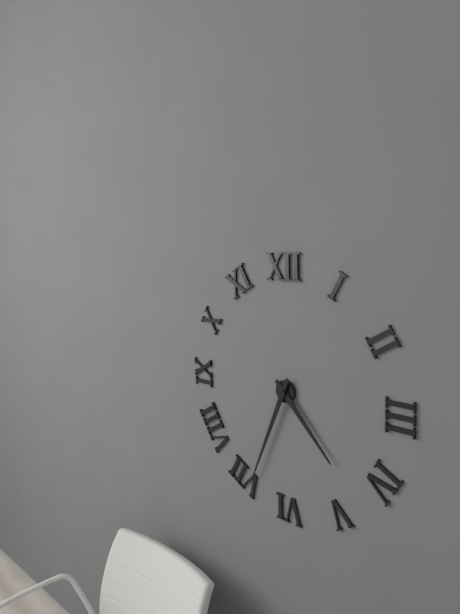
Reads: 4h34
